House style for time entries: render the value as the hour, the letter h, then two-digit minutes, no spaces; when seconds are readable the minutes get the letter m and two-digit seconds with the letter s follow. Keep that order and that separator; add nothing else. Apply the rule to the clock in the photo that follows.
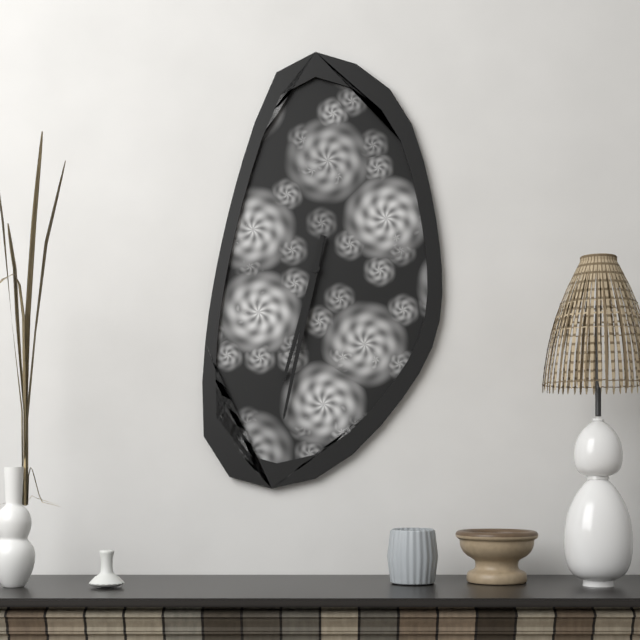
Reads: 6h32
